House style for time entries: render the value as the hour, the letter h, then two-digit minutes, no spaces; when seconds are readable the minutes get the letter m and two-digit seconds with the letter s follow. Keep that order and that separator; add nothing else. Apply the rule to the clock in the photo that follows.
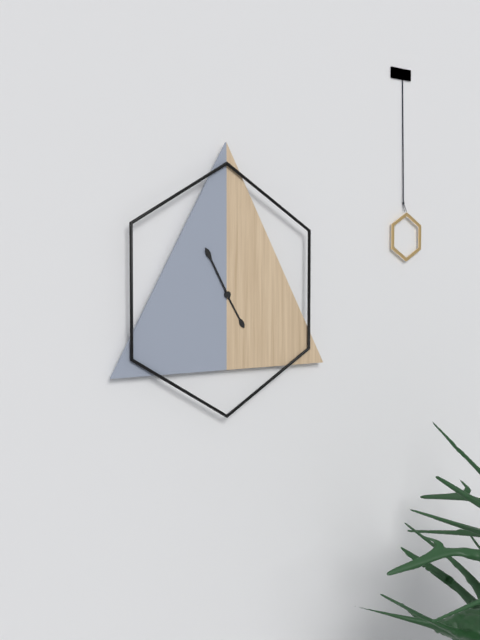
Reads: 4h55
